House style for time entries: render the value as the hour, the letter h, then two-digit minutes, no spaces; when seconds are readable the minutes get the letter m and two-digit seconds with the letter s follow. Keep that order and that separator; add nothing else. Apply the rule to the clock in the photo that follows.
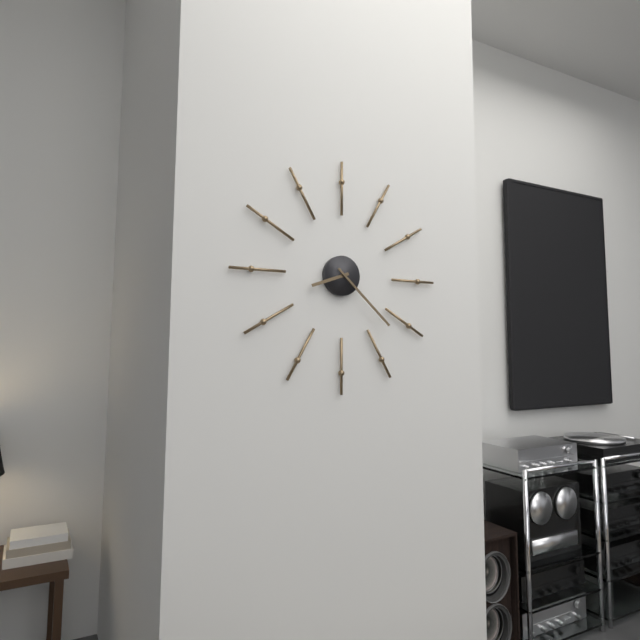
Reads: 8h22
